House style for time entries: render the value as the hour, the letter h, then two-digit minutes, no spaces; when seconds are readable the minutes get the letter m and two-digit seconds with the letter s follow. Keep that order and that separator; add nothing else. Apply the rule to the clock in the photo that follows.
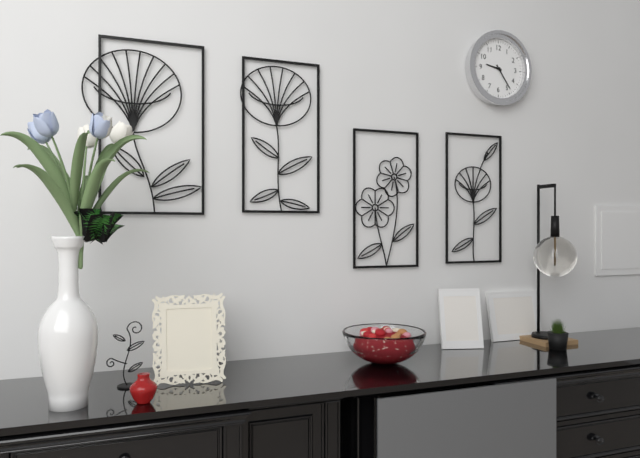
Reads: 9h24
